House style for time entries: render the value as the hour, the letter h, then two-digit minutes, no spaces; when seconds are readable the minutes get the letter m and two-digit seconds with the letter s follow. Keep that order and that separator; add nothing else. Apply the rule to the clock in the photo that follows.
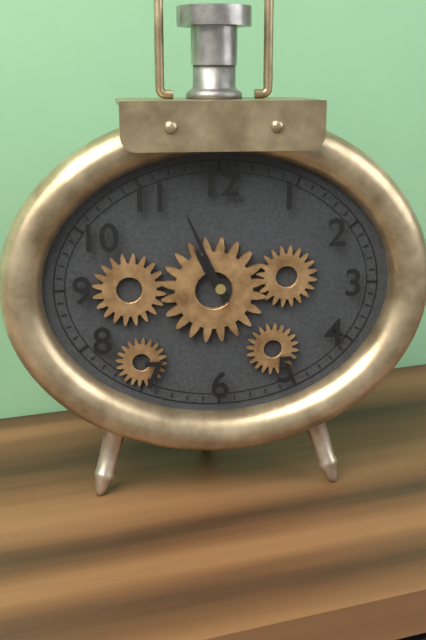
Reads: 10h56
